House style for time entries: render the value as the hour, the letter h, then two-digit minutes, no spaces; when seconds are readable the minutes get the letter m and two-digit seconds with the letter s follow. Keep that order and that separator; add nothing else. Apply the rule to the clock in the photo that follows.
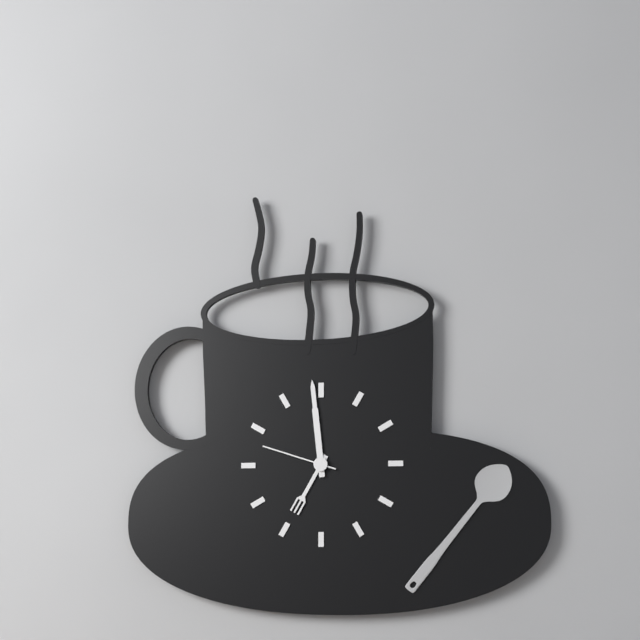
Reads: 6h59m48s
